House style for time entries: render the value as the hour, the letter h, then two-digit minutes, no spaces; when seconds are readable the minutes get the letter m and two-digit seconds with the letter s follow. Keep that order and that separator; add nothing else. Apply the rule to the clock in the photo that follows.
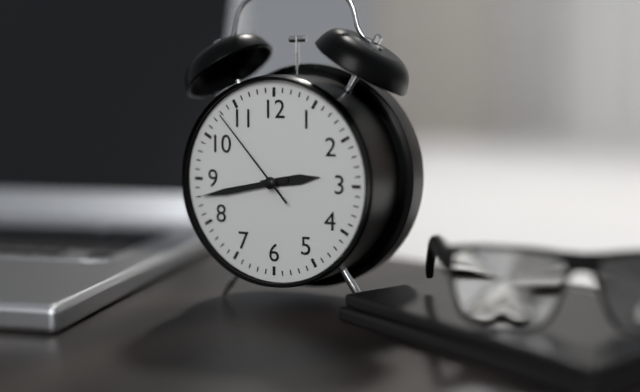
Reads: 2h43m53s
